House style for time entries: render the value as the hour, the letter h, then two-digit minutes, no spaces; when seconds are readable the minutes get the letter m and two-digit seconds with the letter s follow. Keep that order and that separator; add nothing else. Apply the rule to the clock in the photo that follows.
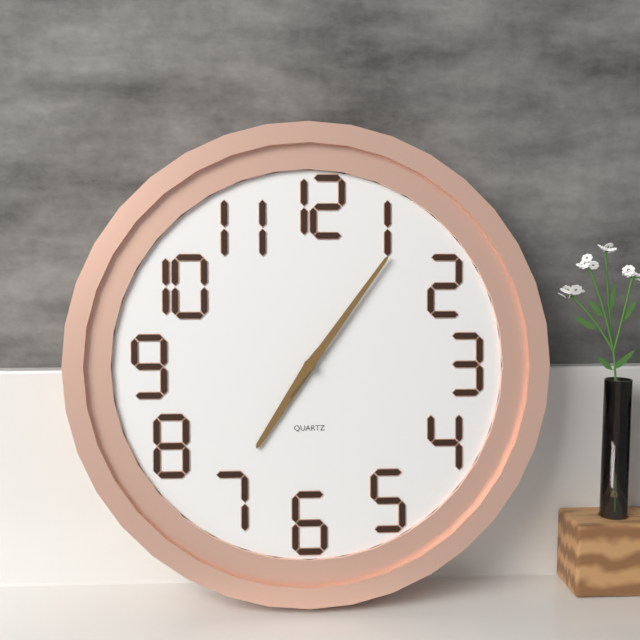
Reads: 7h06
